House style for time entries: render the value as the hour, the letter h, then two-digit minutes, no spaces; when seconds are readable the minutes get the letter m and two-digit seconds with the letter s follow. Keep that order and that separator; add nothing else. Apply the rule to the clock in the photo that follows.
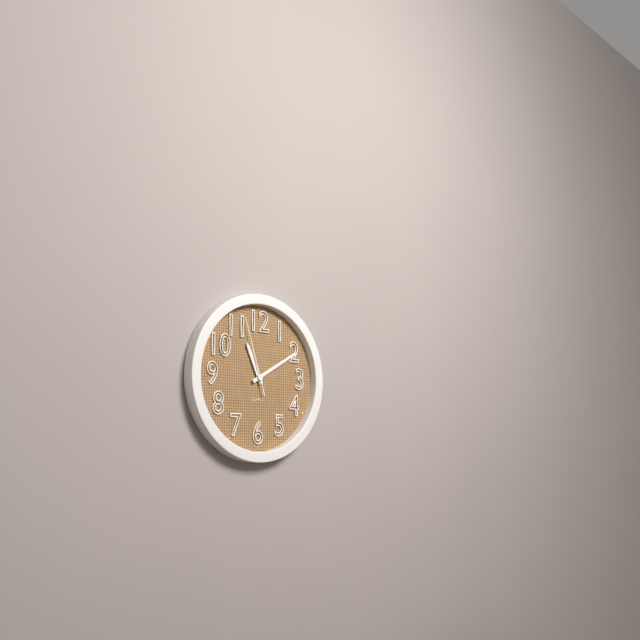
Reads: 11h10m57s
